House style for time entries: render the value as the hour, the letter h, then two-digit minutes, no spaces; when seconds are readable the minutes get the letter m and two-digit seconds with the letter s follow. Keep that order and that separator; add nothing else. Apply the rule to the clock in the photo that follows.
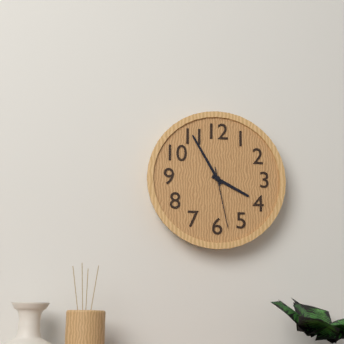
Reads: 3h55m28s
